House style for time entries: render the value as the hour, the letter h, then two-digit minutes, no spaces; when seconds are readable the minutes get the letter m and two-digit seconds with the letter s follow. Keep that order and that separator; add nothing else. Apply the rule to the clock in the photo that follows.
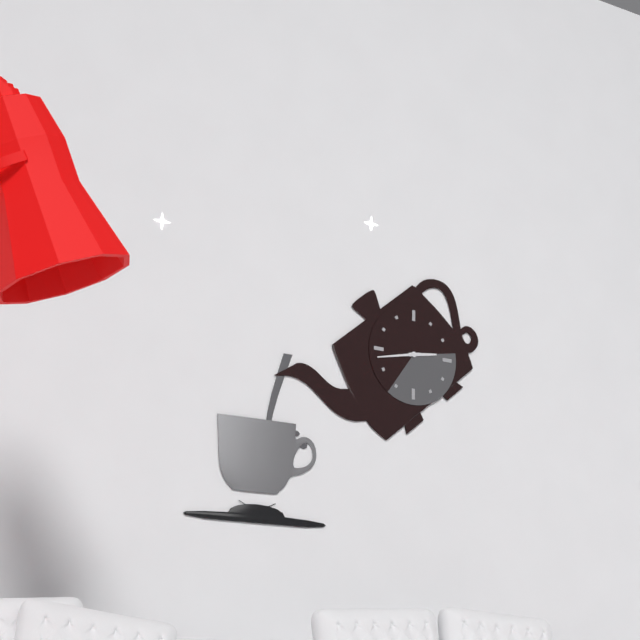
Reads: 2h43
